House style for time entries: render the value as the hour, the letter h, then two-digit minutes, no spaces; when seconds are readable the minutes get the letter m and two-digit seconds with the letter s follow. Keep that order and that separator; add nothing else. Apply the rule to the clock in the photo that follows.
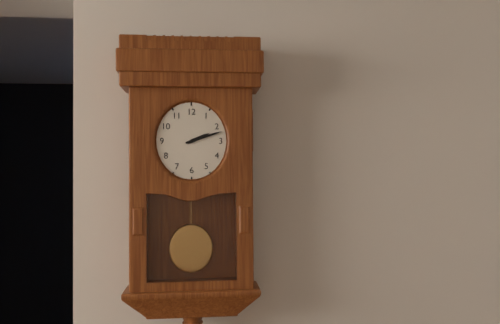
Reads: 2h12
